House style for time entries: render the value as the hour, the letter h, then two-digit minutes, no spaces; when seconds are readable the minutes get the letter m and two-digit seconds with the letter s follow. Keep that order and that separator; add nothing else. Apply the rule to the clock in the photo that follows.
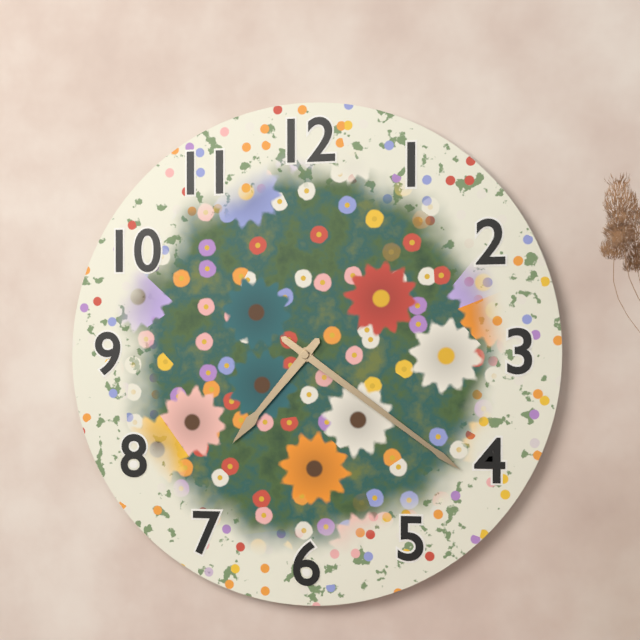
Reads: 7h21
